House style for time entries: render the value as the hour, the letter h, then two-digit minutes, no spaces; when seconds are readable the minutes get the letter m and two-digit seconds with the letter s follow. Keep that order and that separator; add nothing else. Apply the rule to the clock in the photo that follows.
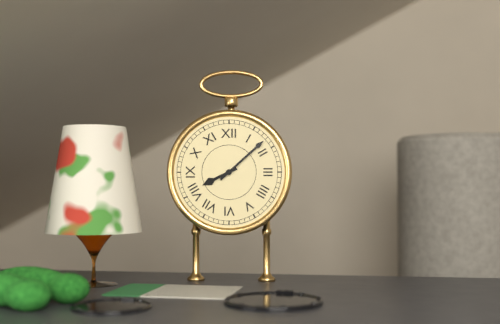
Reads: 8h08
